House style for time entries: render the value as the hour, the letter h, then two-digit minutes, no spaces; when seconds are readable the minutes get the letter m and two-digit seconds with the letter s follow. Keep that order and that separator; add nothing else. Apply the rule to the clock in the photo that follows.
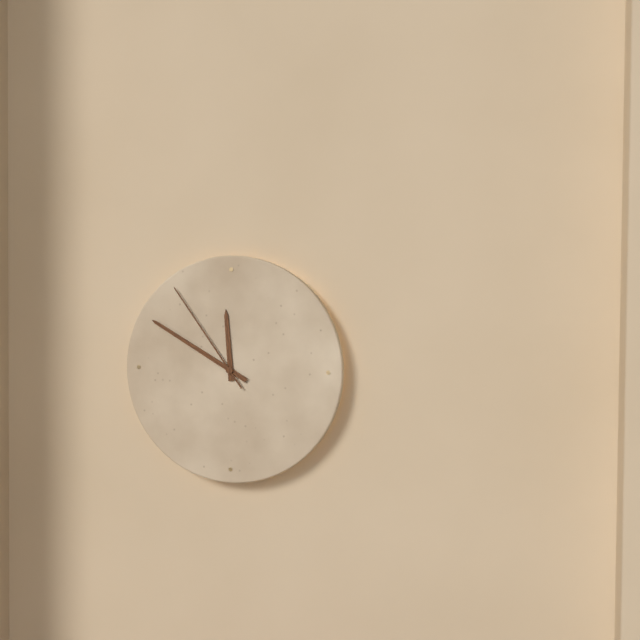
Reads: 11h50m54s
